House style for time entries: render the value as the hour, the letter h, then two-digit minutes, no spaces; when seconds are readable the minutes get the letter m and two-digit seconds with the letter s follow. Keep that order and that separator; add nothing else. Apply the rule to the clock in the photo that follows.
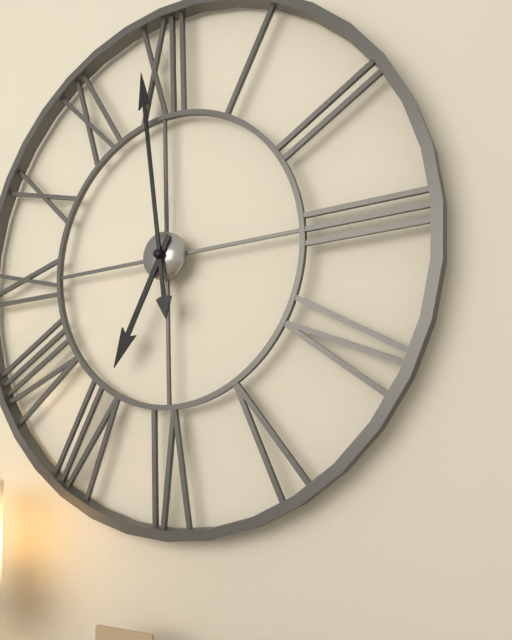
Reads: 6h59
